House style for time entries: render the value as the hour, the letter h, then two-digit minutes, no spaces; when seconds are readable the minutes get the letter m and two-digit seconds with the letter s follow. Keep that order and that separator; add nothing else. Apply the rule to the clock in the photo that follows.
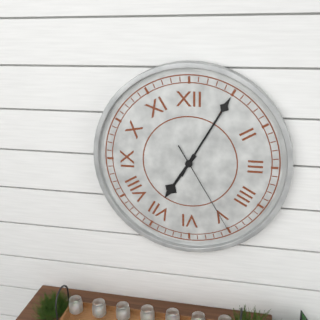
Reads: 7h05m25s
